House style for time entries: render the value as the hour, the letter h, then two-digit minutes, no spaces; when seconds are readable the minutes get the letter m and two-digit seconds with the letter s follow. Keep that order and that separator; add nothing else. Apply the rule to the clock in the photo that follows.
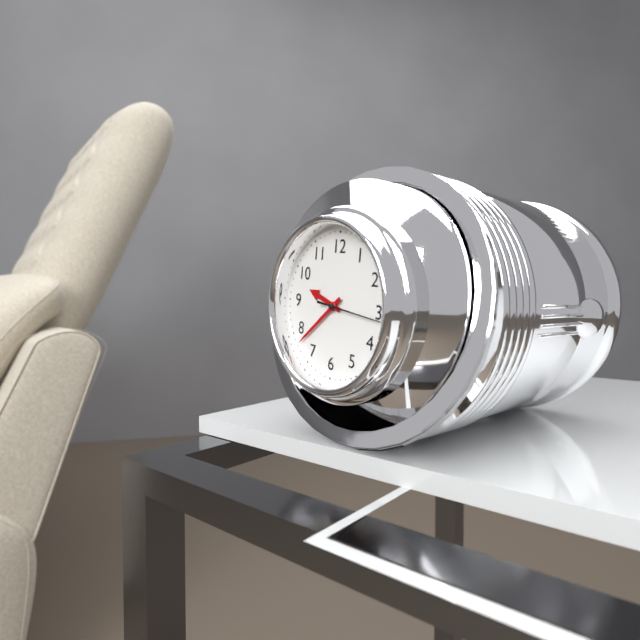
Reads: 9h38m16s
